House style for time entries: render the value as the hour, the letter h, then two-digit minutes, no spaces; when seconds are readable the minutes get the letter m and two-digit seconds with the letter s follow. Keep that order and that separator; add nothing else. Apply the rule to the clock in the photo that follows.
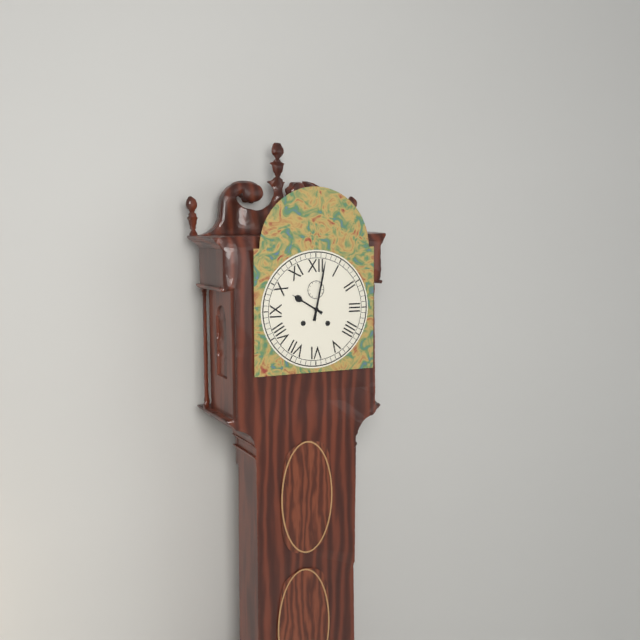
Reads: 10h02
